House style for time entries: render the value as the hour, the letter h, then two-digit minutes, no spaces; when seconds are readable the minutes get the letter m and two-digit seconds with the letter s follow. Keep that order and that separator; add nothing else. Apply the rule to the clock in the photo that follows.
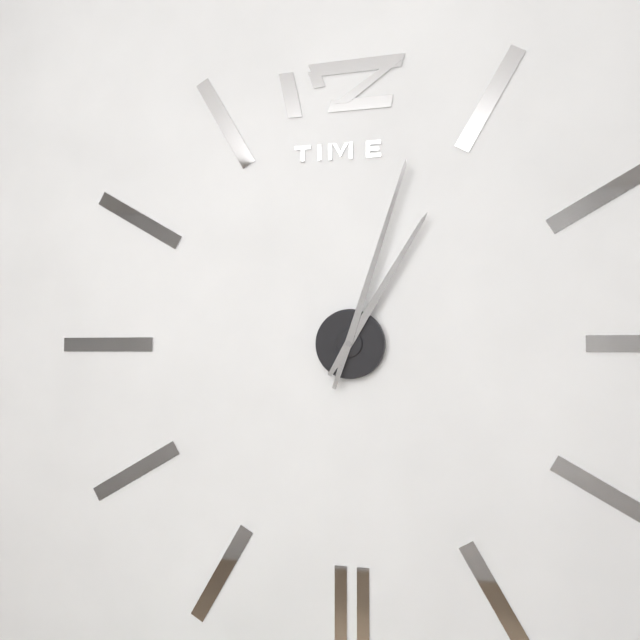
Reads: 1h03
